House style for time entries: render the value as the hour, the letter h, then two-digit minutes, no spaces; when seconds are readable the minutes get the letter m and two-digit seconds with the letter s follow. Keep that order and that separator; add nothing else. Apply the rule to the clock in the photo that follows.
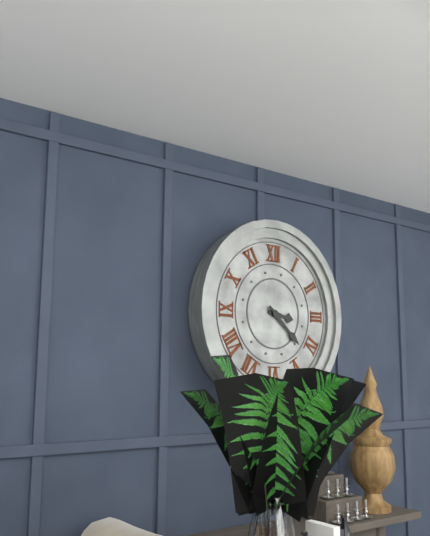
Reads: 3h22
